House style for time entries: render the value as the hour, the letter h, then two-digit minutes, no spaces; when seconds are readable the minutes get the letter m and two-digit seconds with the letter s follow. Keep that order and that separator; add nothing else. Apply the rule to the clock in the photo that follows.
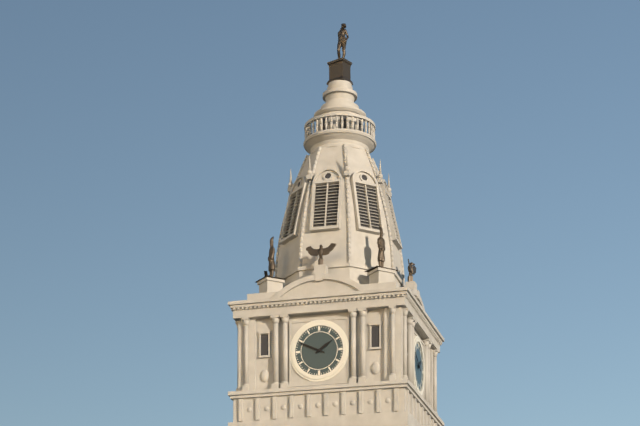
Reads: 1h49
